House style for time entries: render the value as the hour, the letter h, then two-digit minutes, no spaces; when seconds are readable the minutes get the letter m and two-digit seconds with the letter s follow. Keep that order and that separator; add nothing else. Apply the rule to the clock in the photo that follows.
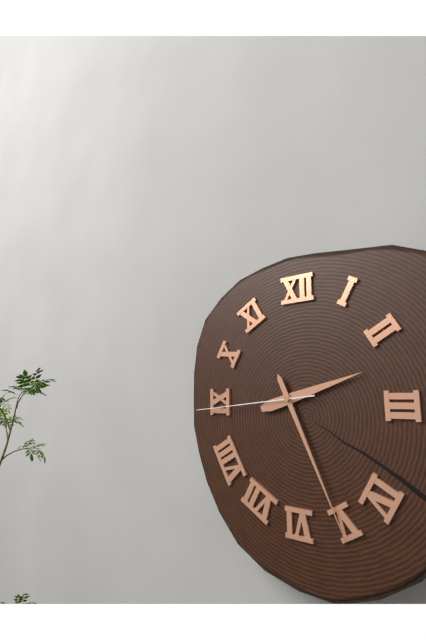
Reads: 2h26m44s
